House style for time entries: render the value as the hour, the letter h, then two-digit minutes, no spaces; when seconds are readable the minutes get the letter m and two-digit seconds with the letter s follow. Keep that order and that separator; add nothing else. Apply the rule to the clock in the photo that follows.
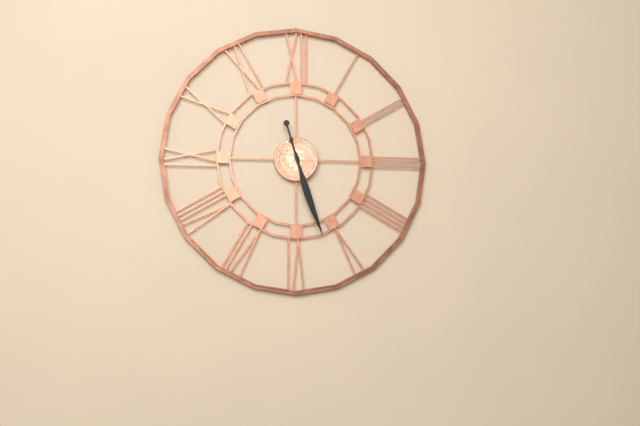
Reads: 11h27
